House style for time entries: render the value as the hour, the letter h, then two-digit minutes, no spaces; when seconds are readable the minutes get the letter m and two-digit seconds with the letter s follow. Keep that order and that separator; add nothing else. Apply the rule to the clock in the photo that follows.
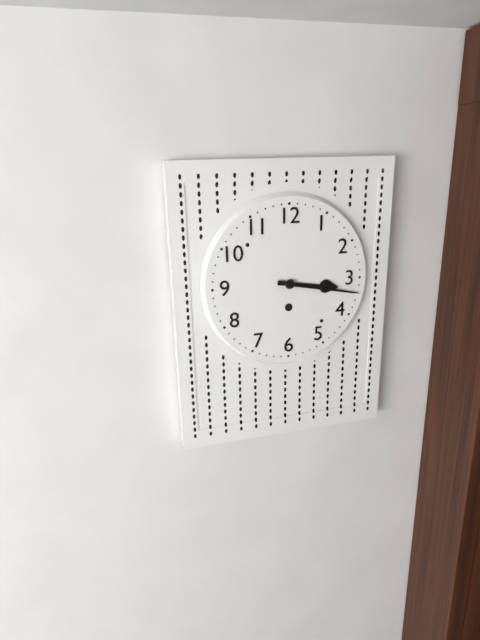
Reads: 3h17
